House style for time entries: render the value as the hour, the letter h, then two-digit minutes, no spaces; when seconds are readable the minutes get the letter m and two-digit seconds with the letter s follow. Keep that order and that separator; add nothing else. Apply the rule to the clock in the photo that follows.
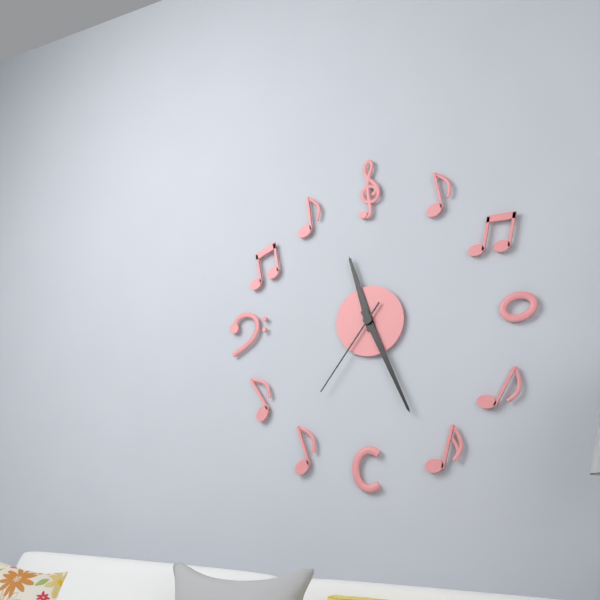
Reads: 11h26m36s
